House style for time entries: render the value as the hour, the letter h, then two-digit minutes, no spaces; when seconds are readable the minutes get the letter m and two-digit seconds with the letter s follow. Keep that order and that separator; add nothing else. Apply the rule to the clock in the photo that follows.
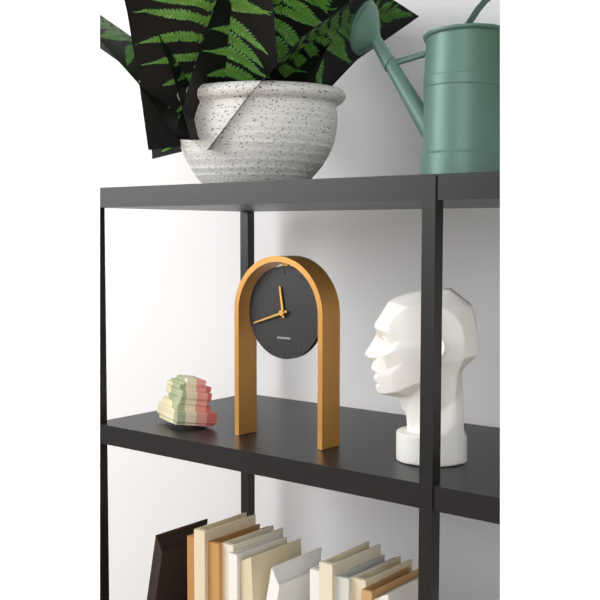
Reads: 11h42
